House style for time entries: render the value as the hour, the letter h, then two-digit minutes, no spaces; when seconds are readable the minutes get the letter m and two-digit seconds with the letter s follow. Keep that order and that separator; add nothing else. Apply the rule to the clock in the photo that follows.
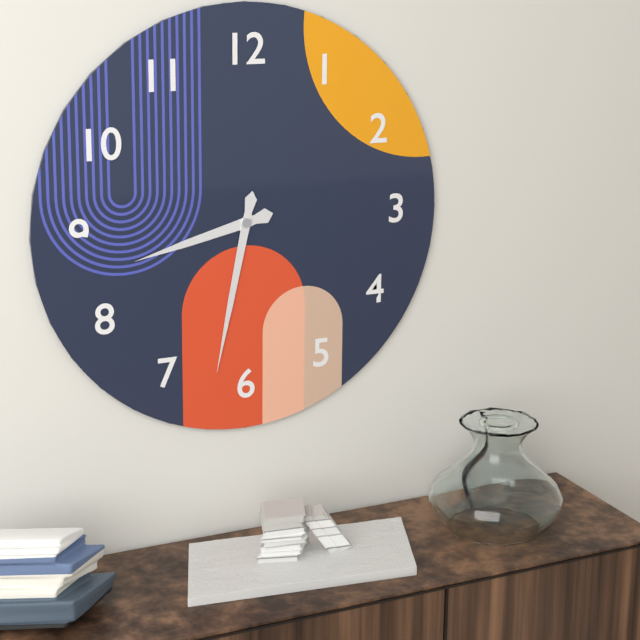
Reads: 8h32
